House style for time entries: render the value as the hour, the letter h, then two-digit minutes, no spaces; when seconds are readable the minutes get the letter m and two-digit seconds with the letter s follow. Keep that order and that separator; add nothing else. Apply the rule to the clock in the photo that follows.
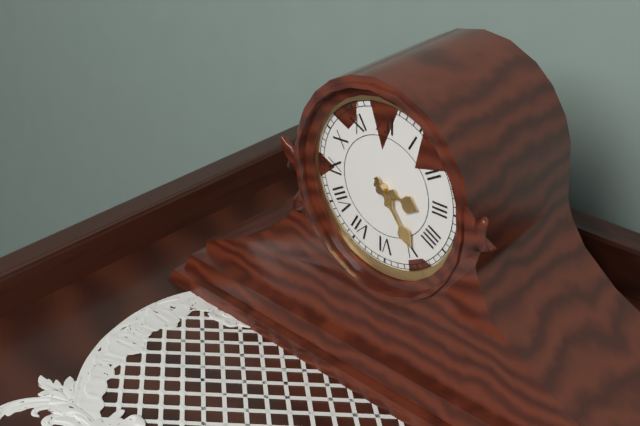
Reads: 3h24
